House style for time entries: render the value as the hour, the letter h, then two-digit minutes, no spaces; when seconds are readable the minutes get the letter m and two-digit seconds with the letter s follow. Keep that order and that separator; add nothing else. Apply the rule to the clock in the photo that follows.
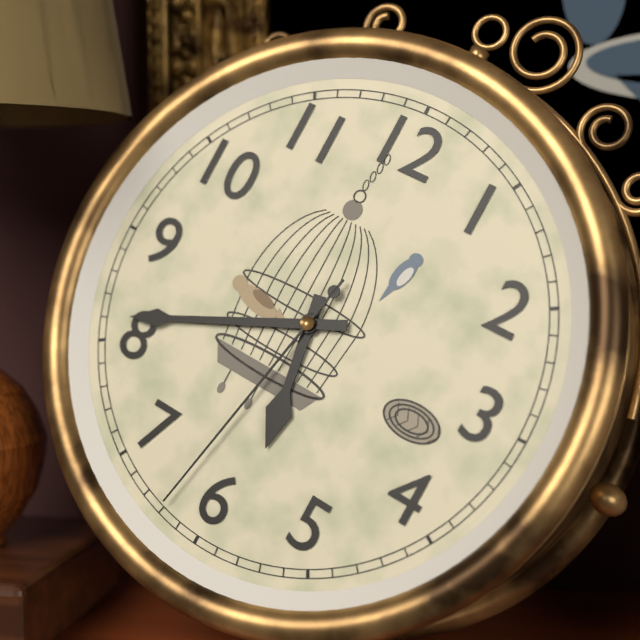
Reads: 5h41m32s
